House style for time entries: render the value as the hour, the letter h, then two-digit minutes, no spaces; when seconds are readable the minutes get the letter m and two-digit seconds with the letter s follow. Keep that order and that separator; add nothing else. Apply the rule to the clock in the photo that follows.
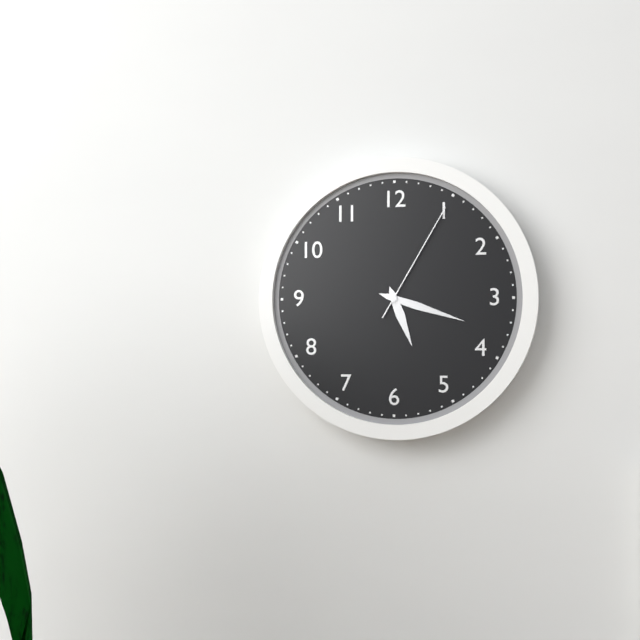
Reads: 5h18m05s
